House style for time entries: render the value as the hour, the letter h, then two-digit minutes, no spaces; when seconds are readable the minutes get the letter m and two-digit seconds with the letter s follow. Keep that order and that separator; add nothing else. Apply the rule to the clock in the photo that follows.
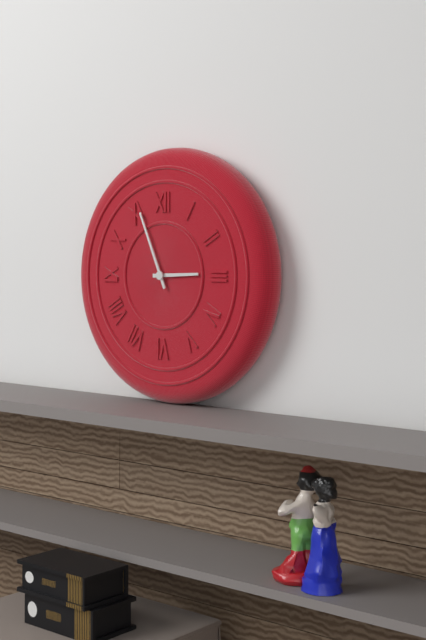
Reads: 2h56
